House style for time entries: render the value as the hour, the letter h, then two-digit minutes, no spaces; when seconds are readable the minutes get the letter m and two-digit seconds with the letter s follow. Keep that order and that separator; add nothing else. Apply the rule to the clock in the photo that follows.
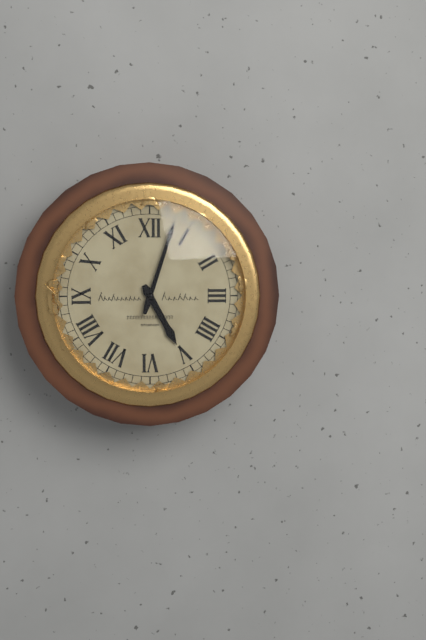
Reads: 5h03
